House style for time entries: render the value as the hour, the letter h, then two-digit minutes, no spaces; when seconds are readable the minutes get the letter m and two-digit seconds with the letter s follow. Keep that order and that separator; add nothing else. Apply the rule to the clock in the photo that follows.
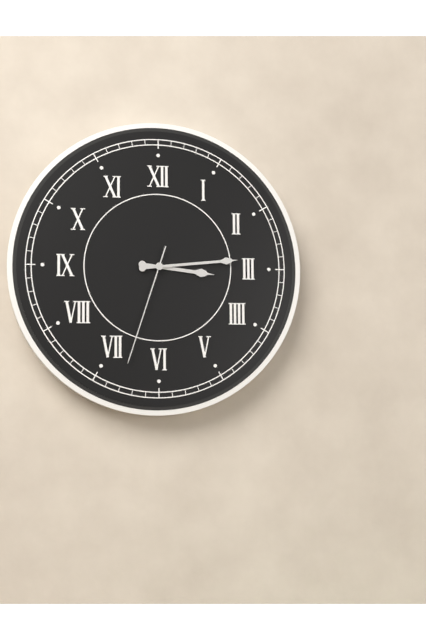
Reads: 3h14m33s
